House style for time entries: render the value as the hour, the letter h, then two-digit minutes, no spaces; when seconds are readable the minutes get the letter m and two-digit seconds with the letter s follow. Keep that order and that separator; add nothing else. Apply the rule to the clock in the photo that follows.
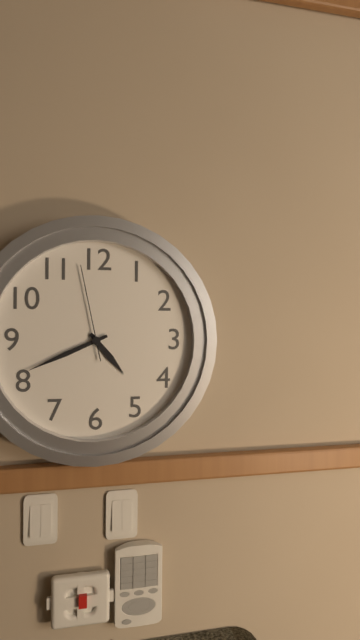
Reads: 4h41m58s
